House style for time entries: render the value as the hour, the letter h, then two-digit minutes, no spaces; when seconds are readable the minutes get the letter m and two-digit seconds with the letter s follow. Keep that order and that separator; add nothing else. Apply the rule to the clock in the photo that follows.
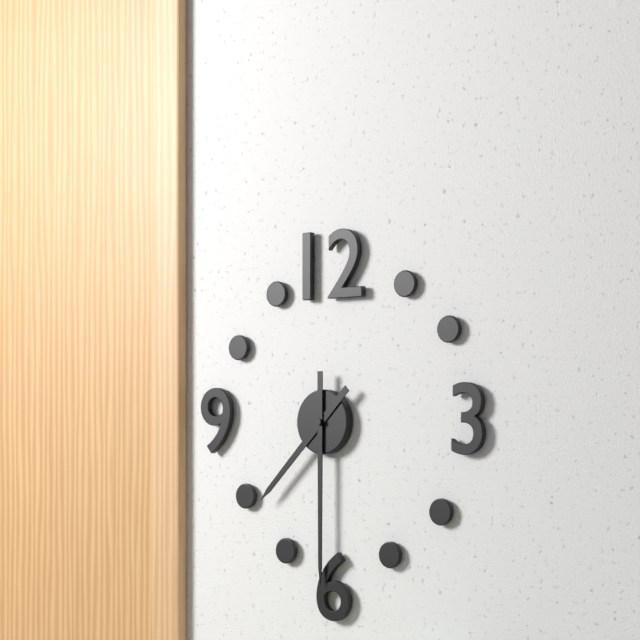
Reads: 7h30
